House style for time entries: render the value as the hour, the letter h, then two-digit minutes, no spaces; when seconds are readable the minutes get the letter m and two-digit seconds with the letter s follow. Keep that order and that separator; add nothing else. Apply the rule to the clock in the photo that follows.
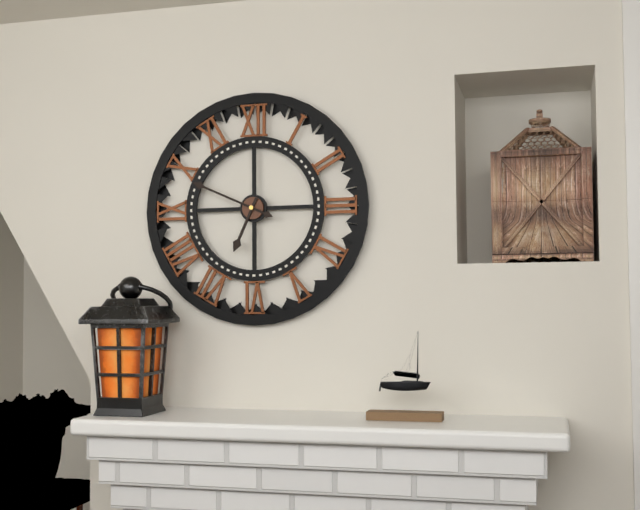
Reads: 6h49
